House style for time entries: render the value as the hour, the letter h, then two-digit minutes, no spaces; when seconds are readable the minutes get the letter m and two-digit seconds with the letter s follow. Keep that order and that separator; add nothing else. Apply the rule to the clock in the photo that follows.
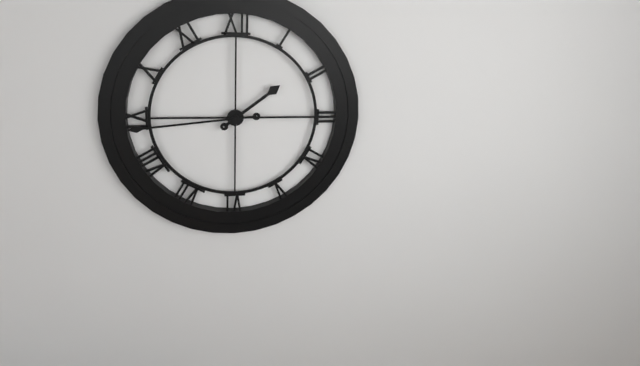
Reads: 1h44
